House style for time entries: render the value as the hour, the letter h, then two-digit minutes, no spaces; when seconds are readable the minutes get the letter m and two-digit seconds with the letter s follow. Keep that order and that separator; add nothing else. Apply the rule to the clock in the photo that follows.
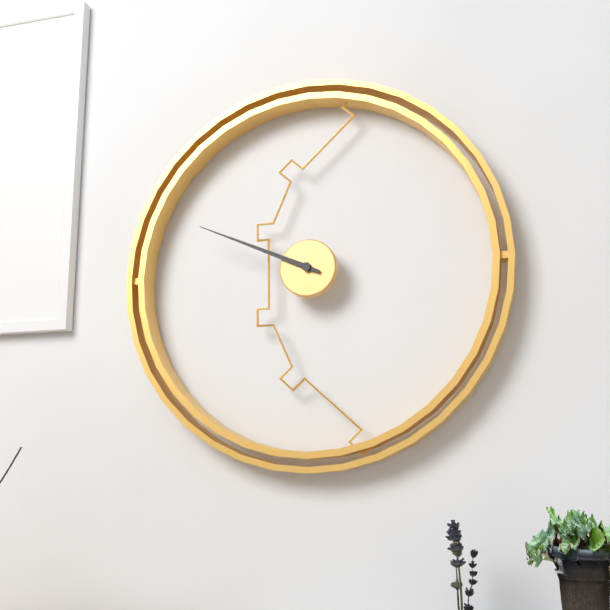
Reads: 9h49
